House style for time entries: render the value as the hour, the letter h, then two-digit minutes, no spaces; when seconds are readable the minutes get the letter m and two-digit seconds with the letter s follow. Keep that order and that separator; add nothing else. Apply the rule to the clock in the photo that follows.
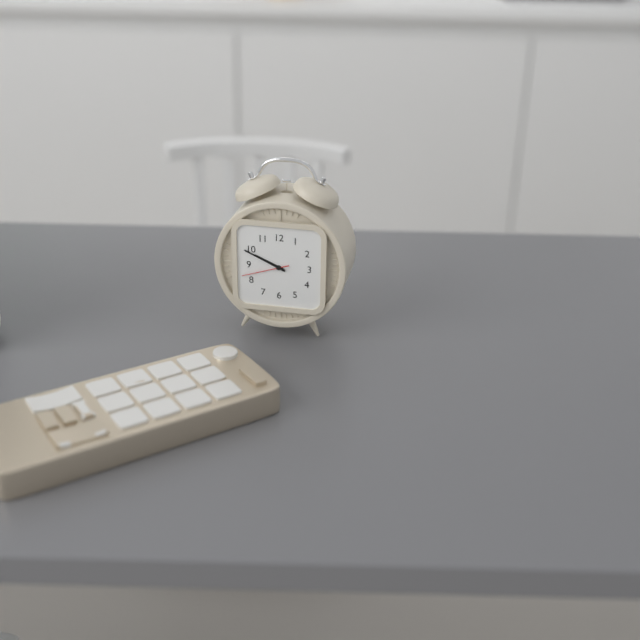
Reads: 9h49
